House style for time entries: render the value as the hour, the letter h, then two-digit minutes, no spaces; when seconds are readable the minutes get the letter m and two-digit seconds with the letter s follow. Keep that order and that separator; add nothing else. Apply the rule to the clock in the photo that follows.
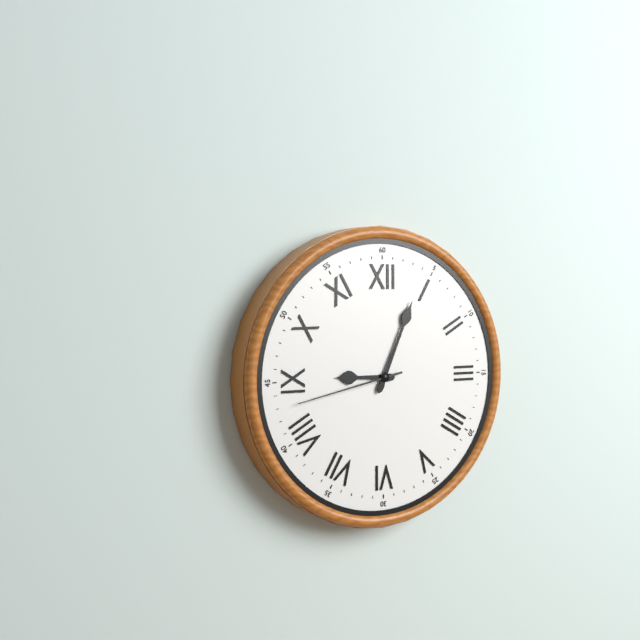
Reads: 9h04m43s
